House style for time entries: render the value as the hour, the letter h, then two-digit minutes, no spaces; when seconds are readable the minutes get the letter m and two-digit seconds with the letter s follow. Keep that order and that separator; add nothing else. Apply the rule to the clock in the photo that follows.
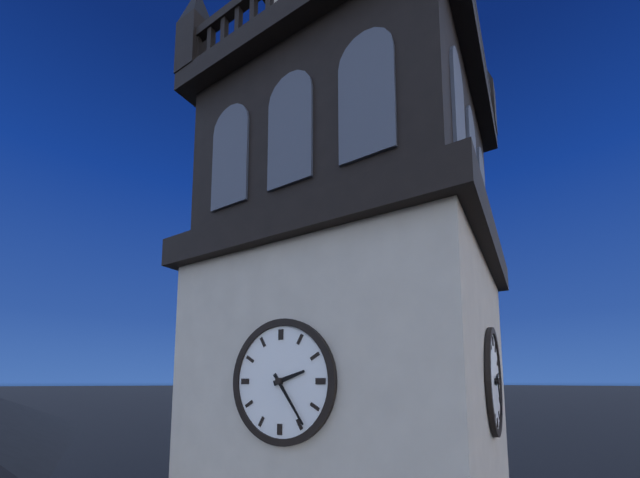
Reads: 2h24
